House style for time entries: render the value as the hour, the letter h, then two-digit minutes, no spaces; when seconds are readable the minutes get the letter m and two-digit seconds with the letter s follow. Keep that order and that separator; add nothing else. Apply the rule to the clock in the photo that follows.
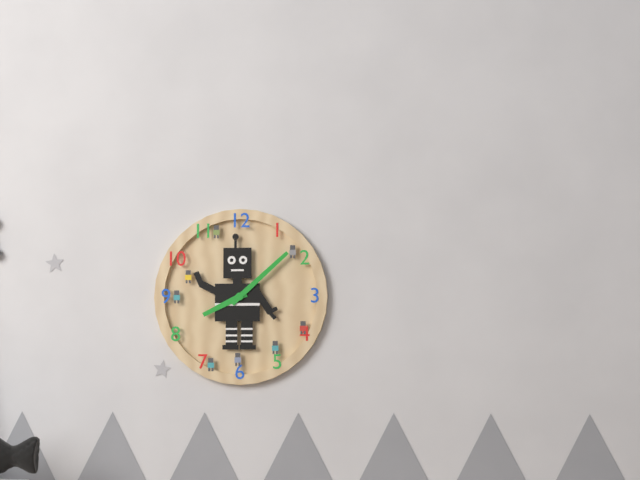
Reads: 8h08
